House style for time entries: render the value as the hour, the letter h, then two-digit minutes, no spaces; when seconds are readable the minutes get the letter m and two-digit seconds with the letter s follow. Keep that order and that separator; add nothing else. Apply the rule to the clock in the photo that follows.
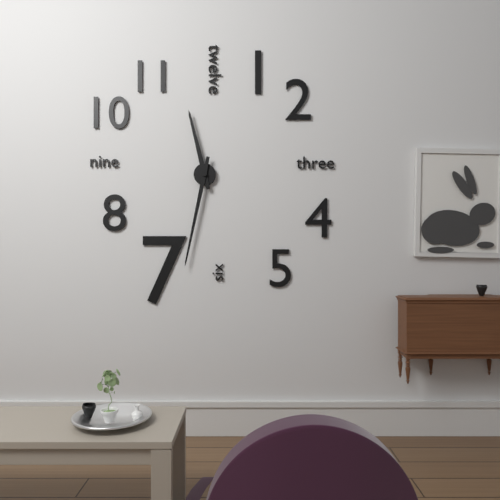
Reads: 11h32
